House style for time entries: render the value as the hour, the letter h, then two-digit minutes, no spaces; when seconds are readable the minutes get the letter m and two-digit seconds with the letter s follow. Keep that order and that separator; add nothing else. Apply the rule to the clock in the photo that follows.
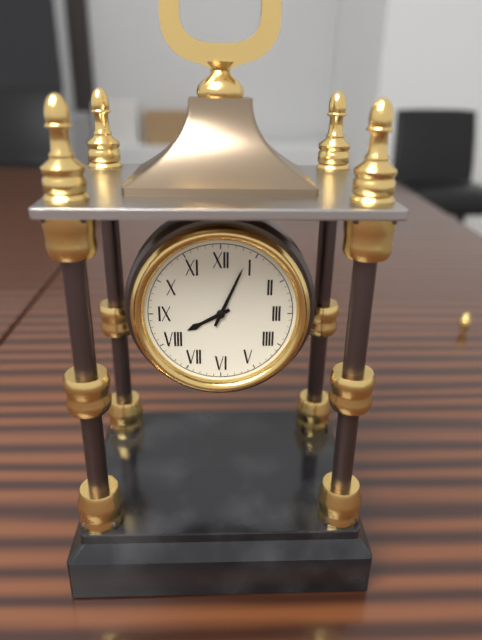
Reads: 8h04
